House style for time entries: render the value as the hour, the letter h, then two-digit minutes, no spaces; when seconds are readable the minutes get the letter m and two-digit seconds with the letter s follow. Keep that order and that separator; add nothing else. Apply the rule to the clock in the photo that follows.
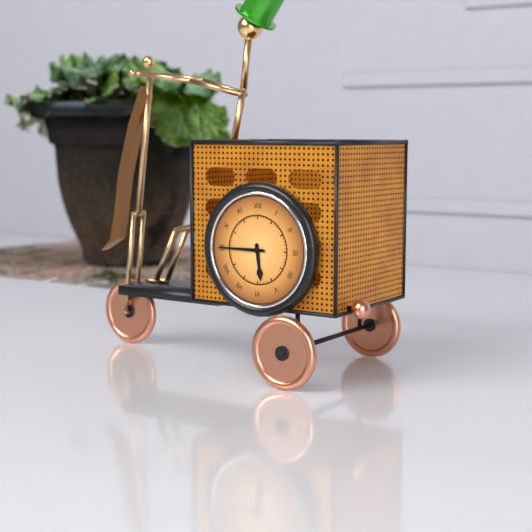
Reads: 5h45
